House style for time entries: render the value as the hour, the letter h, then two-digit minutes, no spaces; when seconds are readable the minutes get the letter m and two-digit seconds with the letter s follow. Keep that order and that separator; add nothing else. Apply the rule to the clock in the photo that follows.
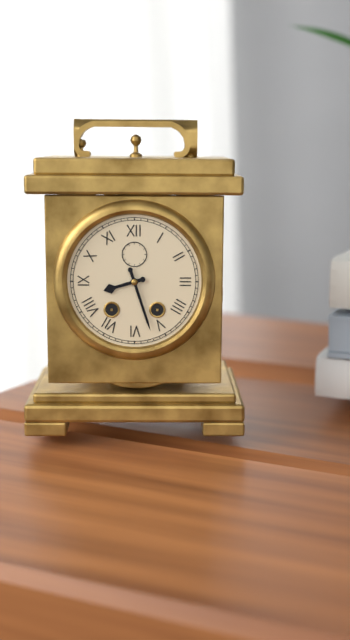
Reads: 8h27
